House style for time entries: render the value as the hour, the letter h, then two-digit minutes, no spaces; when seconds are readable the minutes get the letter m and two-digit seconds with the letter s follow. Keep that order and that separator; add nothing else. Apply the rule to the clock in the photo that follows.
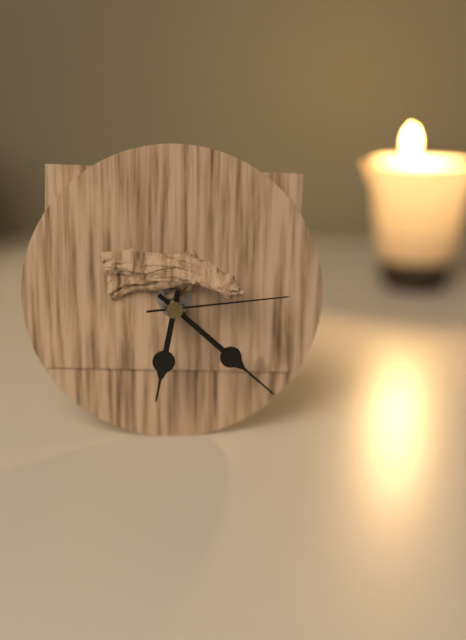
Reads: 6h22m14s
